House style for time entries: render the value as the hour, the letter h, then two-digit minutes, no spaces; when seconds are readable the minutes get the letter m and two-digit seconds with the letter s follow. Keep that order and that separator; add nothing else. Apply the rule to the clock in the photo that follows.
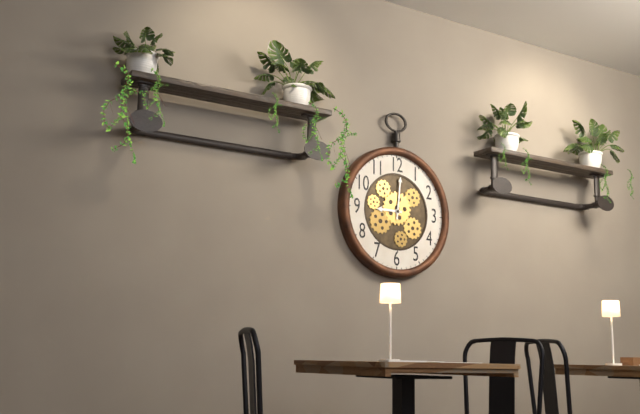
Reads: 9h01
